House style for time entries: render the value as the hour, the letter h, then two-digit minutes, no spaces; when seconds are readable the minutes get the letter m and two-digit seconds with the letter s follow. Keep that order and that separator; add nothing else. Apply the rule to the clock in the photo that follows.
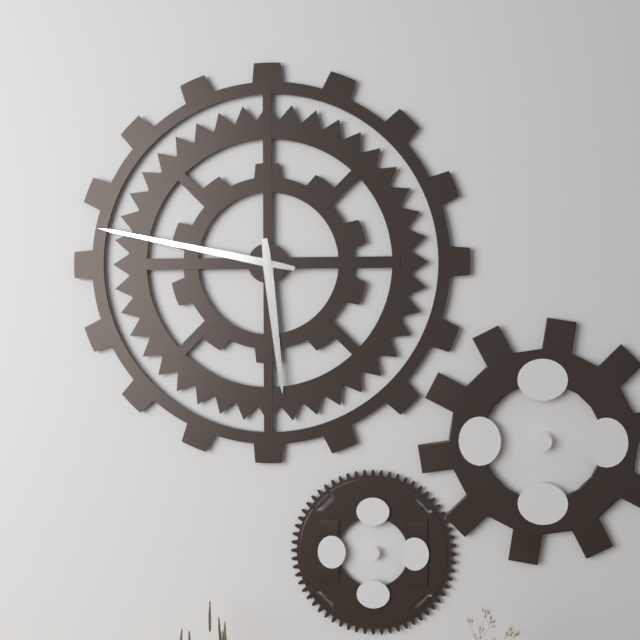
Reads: 5h47
